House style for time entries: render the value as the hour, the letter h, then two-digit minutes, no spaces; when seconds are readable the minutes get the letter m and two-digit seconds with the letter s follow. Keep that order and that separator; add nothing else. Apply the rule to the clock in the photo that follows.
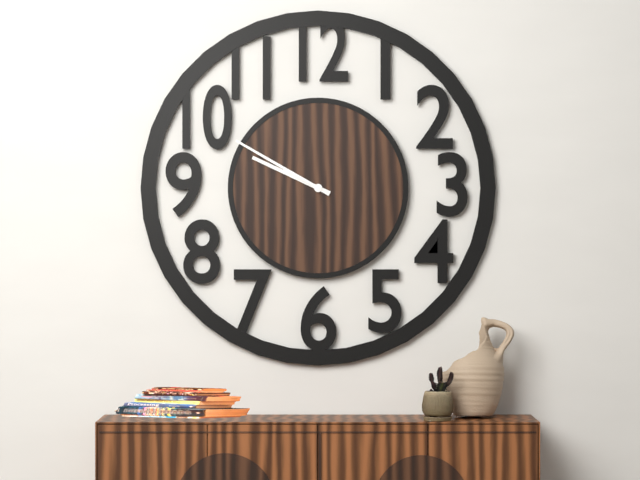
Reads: 9h50
